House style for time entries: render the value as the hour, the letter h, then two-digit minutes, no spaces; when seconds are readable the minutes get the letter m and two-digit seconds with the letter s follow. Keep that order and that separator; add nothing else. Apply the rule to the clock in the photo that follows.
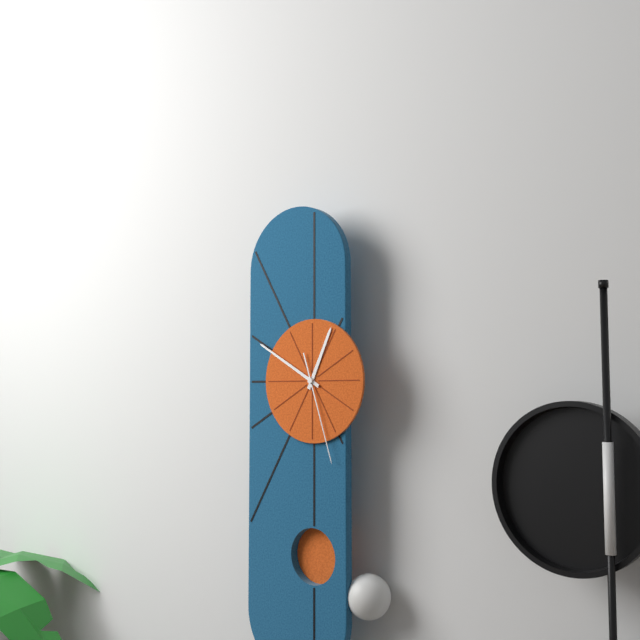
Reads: 12h50m27s
